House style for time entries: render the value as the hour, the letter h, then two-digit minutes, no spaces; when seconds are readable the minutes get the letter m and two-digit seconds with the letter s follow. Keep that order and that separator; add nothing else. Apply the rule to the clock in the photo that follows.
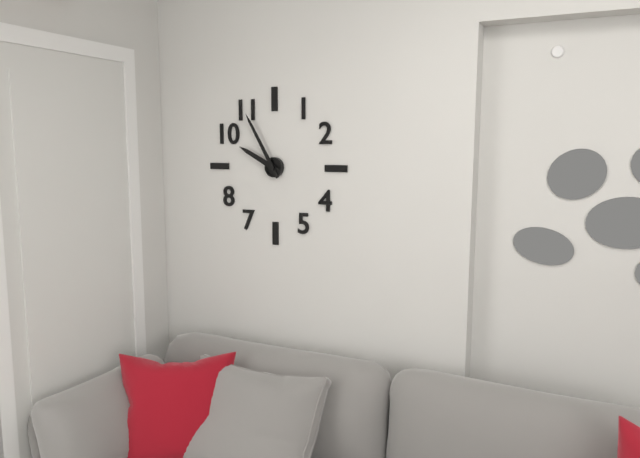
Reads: 9h55
